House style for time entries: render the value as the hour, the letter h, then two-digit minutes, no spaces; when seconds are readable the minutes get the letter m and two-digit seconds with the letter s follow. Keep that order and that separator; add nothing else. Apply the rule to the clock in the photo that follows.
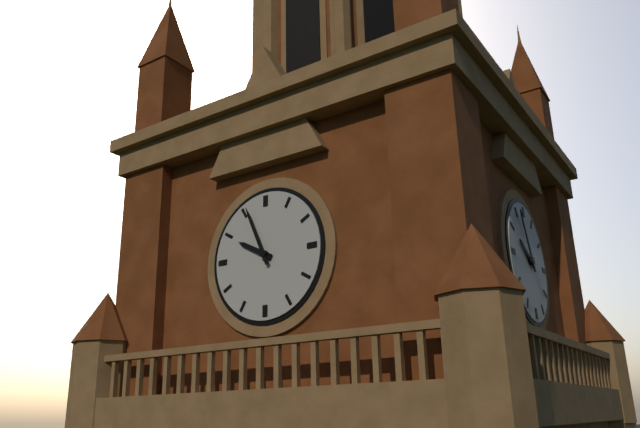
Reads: 9h56
